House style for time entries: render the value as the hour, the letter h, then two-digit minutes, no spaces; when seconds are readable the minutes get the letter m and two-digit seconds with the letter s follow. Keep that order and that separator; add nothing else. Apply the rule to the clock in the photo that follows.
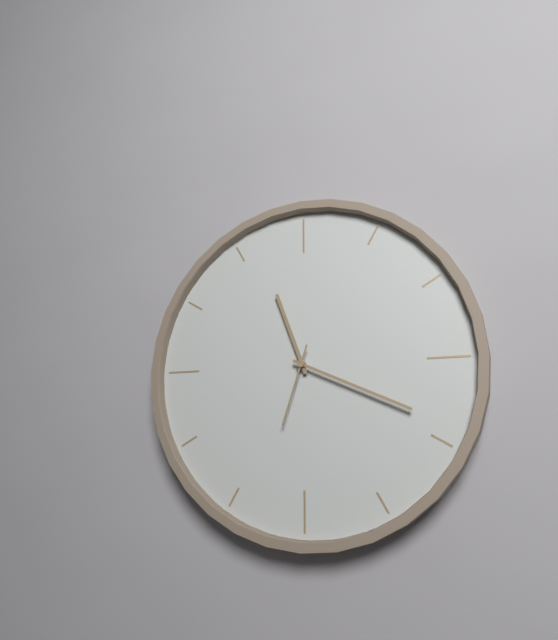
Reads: 11h19m33s
